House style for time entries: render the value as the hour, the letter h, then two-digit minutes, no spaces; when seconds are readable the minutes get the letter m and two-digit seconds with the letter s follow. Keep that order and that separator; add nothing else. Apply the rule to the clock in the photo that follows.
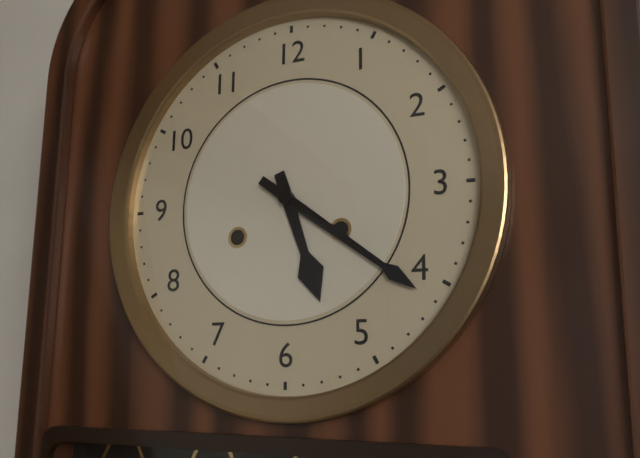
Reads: 5h21
